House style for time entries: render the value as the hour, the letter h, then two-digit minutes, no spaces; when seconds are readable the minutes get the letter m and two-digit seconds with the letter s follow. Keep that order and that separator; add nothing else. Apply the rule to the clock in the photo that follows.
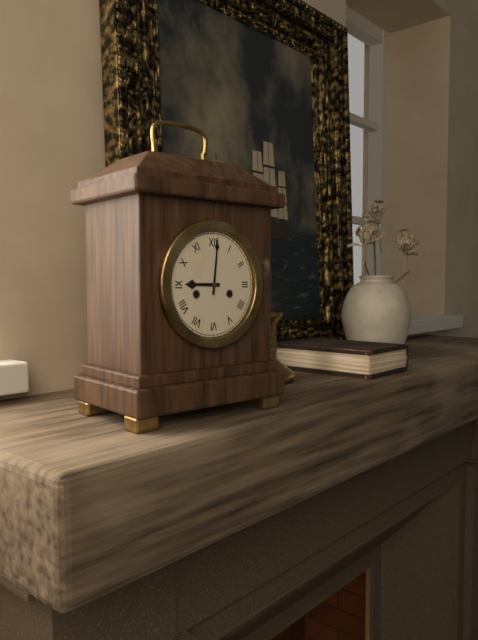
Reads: 9h01
